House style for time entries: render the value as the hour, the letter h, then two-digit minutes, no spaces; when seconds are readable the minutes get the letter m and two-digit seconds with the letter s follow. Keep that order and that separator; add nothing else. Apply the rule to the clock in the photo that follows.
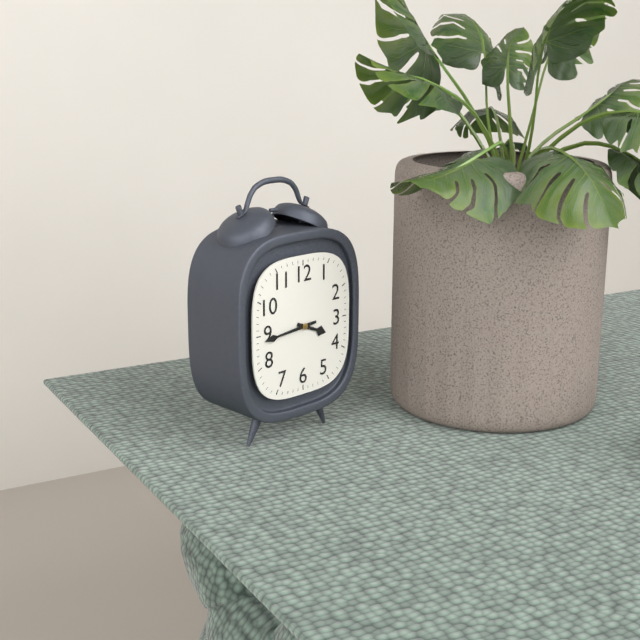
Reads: 3h44
